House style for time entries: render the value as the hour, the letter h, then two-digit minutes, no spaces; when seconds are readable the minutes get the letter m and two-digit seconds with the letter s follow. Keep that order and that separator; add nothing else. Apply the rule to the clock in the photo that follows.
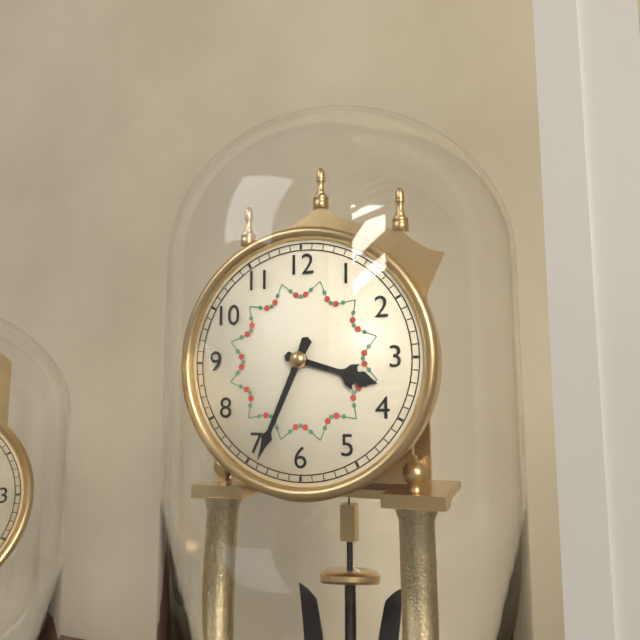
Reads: 3h34
